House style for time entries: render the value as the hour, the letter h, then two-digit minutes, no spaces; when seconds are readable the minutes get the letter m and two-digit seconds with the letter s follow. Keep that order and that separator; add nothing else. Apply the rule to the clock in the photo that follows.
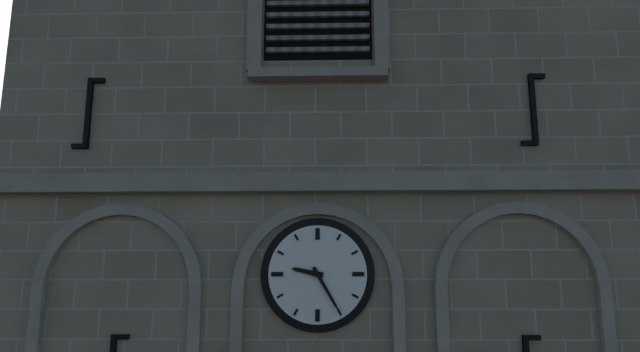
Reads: 9h25
